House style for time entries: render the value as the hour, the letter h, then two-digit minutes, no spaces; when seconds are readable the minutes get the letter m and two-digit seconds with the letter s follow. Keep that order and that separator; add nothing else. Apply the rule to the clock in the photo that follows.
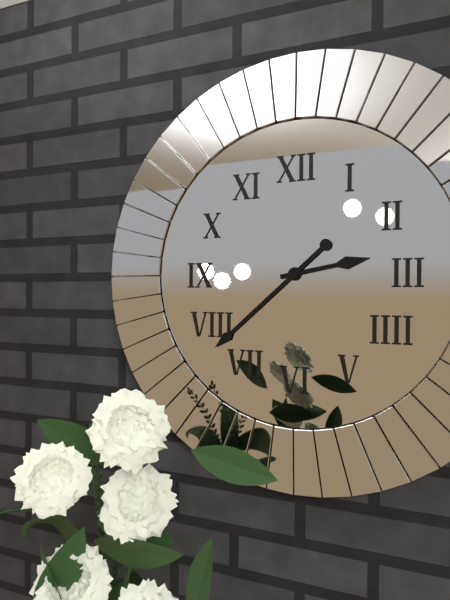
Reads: 2h38
